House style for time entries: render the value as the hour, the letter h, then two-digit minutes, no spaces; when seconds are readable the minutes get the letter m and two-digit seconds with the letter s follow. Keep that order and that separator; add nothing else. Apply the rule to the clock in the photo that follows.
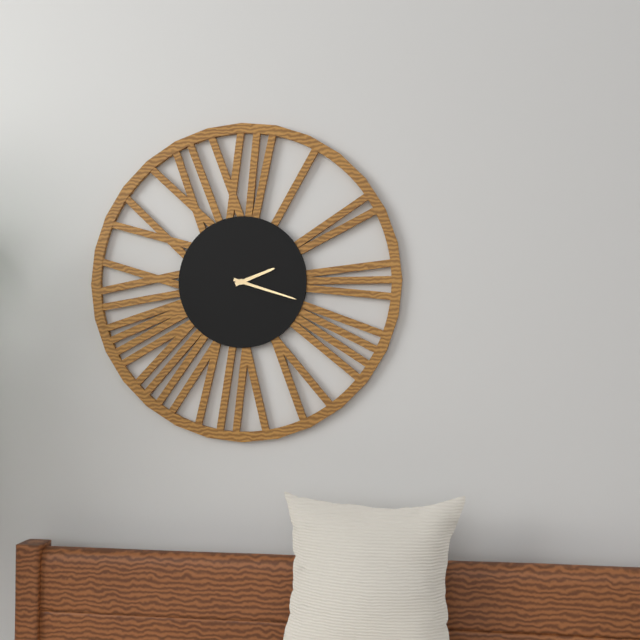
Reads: 2h18
